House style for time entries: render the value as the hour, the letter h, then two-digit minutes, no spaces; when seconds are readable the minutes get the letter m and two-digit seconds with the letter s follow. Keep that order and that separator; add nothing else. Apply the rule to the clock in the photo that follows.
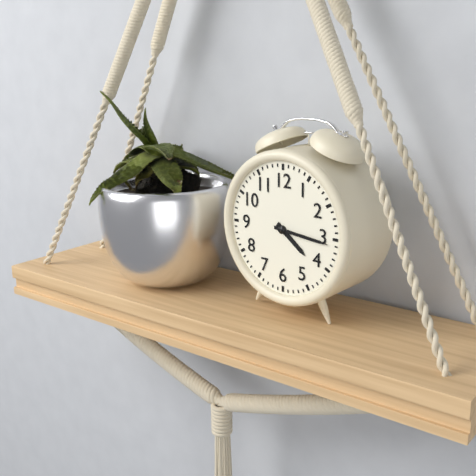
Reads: 4h16
